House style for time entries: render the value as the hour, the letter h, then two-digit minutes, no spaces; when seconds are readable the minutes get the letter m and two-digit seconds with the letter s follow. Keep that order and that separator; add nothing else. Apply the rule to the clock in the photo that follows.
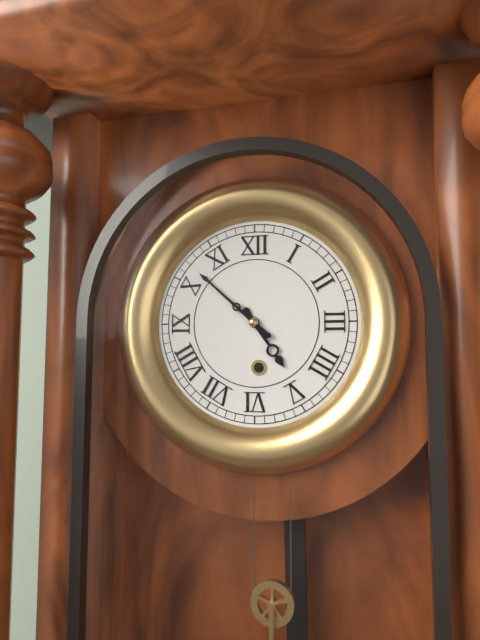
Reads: 4h52
